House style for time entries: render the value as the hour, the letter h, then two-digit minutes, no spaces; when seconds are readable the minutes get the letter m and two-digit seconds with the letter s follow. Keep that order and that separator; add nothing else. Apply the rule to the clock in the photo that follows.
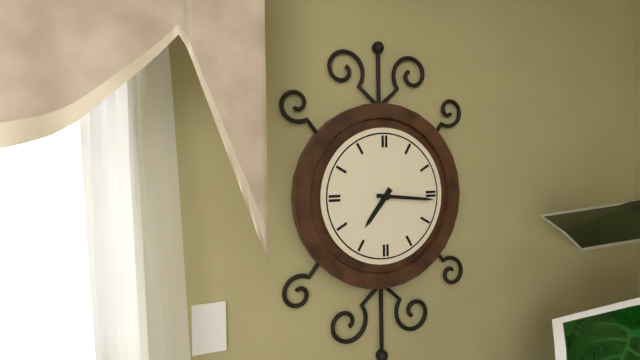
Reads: 7h16
